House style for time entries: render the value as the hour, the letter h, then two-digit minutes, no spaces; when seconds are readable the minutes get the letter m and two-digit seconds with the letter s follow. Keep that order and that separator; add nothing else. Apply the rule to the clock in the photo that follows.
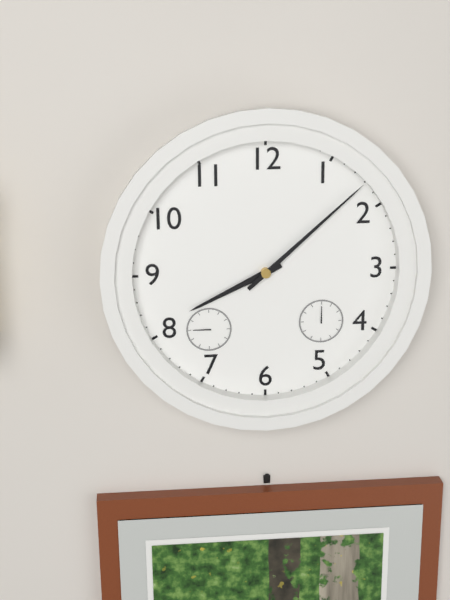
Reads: 8h08
